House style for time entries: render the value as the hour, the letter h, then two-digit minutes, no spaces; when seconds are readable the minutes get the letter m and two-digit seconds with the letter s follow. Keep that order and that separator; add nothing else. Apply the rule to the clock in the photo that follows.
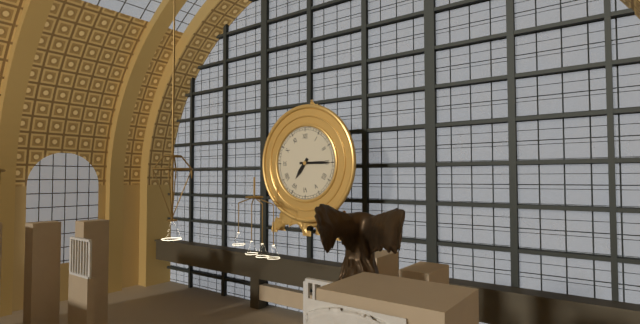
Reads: 7h15
